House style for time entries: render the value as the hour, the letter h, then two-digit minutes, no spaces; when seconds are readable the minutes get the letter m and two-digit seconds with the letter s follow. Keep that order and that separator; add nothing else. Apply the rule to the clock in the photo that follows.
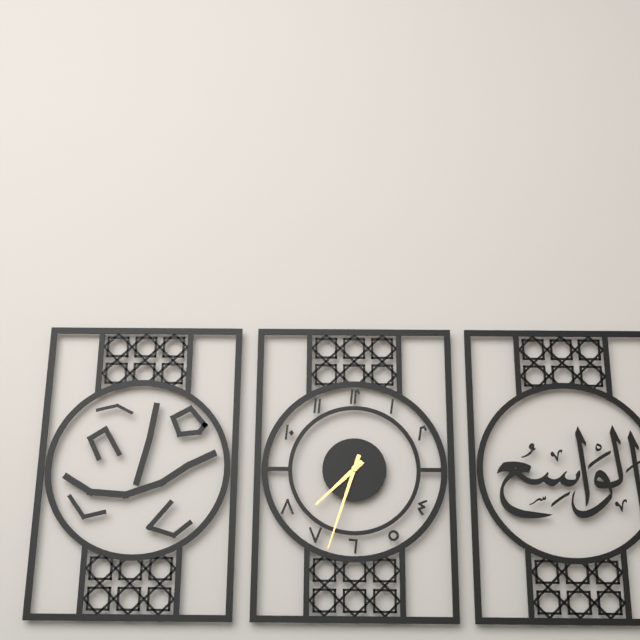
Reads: 7h33
